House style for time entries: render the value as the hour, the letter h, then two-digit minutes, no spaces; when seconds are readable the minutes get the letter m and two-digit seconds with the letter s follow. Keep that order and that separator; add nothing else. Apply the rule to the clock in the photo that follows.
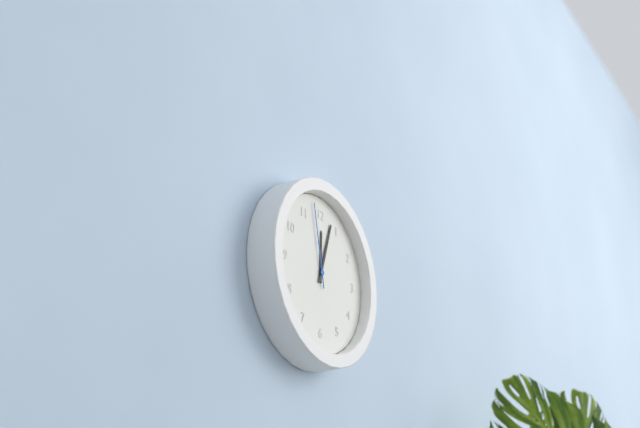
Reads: 12h03m58s
